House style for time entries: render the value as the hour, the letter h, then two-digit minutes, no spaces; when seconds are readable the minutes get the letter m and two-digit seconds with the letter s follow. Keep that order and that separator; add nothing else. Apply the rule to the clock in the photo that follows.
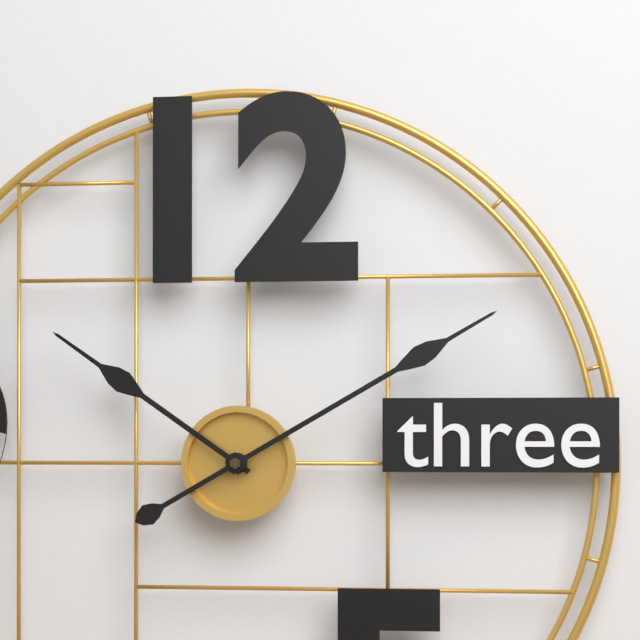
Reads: 10h10
